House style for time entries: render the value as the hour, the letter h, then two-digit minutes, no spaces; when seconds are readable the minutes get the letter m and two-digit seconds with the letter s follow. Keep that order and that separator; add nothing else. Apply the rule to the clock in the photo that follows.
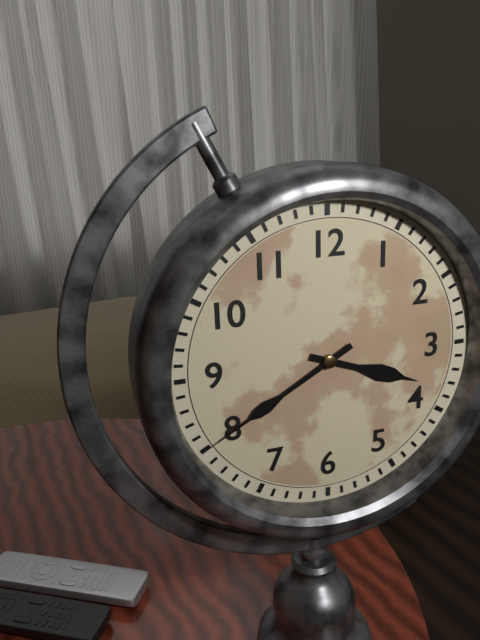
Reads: 3h40
